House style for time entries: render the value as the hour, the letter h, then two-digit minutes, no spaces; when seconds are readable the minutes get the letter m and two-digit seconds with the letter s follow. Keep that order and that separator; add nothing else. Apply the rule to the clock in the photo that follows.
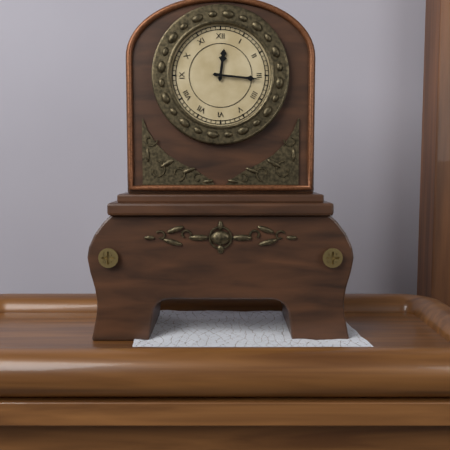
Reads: 12h16
